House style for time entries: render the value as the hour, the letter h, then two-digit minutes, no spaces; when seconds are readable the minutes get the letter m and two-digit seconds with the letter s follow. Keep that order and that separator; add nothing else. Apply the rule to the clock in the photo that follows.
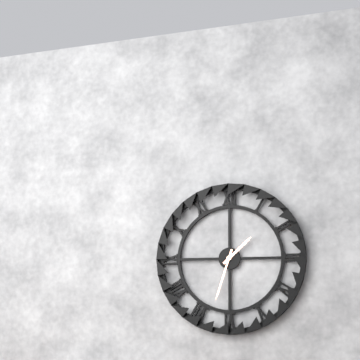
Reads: 1h33
